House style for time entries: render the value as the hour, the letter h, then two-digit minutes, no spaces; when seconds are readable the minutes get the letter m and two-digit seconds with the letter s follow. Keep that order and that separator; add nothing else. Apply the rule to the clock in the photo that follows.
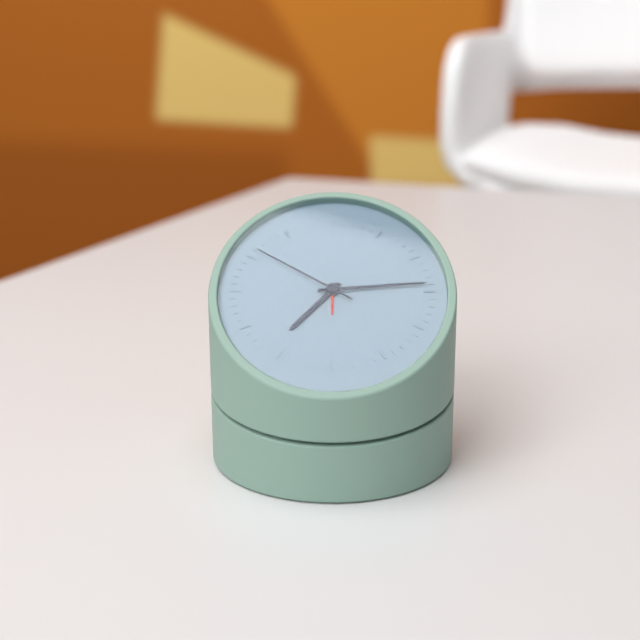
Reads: 7h14m51s
